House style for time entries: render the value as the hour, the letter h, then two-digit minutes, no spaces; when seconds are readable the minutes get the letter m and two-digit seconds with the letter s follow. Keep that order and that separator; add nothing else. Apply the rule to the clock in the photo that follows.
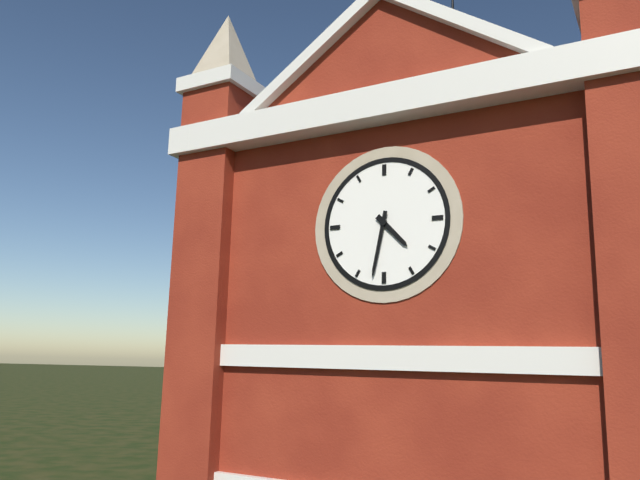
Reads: 4h32
